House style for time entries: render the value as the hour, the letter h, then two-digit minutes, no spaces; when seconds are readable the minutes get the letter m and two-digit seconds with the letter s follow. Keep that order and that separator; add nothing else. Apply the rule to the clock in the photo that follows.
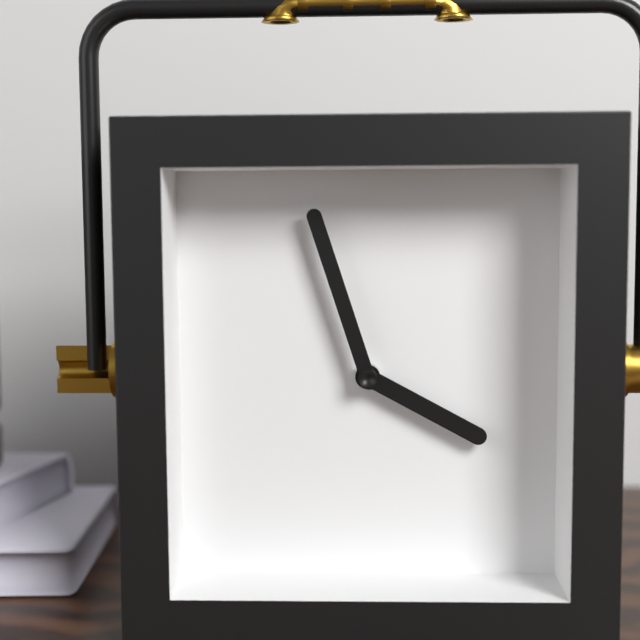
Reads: 3h57
